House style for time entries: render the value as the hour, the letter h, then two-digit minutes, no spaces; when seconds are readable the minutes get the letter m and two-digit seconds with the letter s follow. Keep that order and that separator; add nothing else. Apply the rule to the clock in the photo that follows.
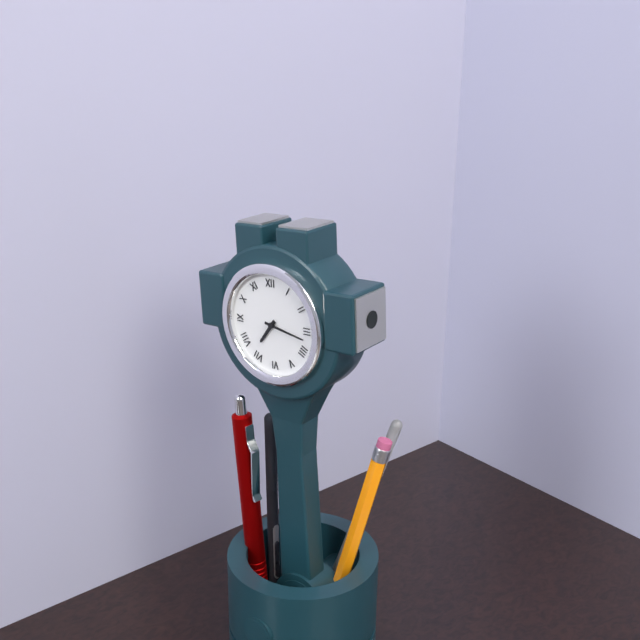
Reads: 7h17
